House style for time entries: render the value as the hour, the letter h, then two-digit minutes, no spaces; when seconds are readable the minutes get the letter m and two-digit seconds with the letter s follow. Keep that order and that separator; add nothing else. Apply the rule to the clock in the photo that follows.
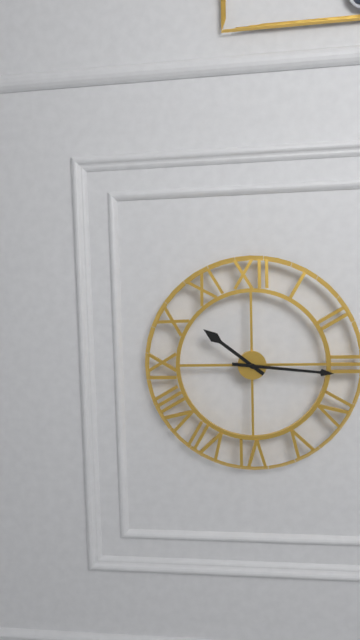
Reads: 10h16
